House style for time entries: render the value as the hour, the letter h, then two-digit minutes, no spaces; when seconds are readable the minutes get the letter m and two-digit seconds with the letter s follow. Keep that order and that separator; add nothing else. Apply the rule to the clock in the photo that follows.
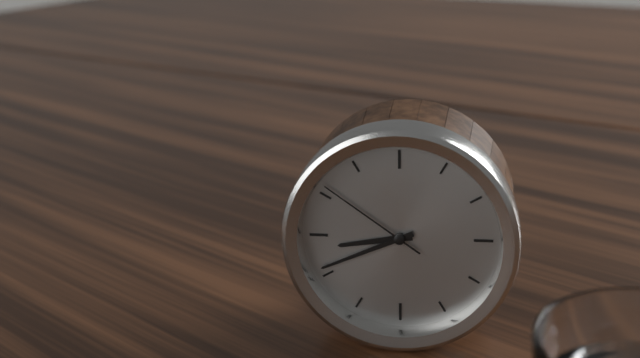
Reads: 8h41m51s
